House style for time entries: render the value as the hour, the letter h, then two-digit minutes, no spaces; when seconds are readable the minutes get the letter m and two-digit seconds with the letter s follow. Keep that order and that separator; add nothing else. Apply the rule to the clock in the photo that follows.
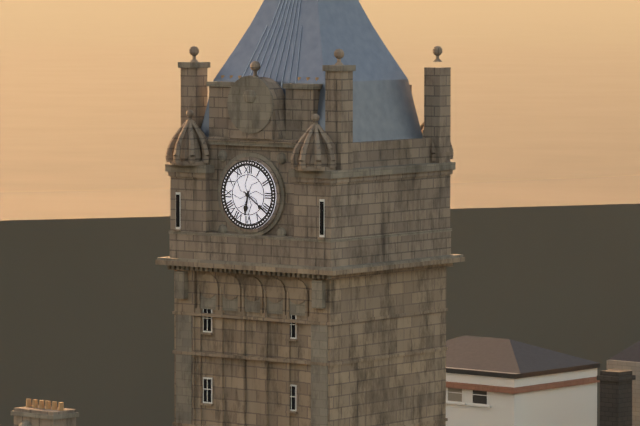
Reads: 6h21
